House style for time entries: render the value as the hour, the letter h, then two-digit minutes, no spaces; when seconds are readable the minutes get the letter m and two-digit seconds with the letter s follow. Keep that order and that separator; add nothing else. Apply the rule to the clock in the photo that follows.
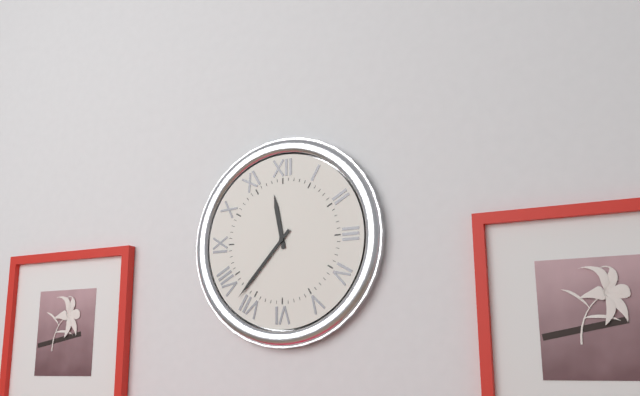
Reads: 11h37
